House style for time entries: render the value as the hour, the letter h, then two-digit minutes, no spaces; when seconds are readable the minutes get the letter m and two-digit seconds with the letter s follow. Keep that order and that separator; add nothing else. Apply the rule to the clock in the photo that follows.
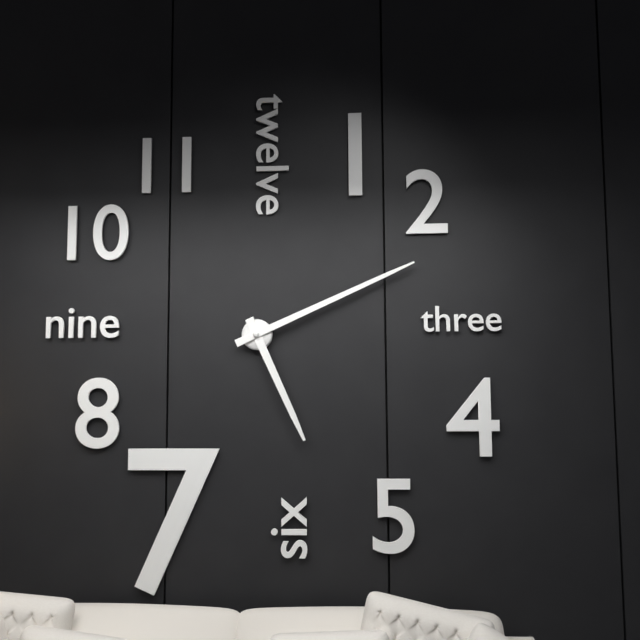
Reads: 5h11
